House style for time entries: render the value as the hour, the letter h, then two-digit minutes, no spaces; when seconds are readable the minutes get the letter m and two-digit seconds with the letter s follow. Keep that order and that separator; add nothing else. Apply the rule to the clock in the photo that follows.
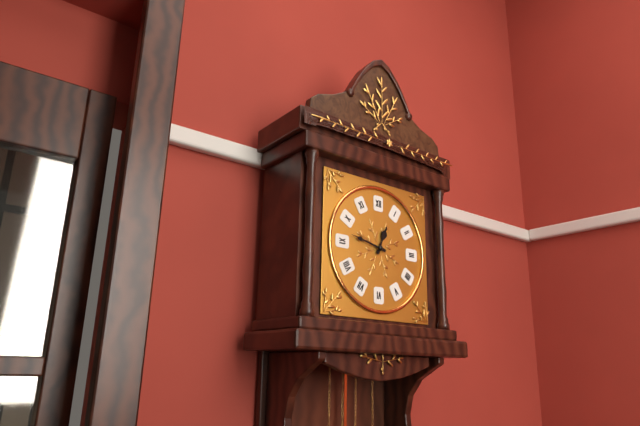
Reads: 12h47
